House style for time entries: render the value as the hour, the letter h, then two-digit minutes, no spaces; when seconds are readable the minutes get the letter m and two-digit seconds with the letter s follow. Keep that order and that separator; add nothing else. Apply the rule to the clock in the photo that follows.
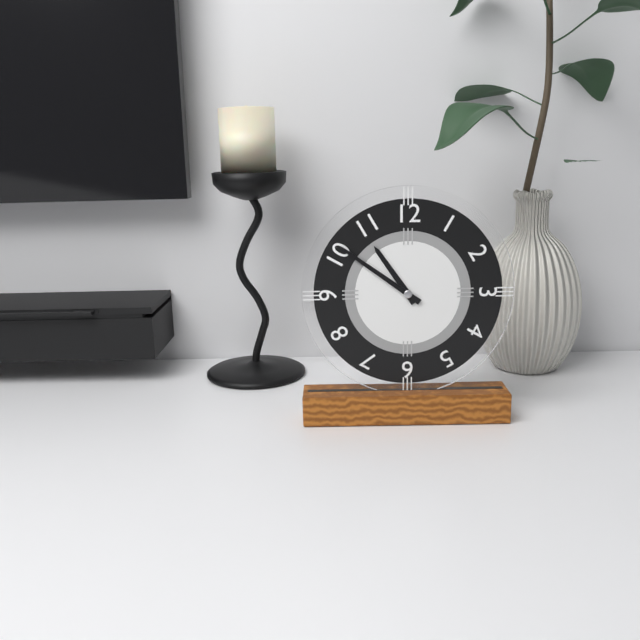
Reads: 10h51
